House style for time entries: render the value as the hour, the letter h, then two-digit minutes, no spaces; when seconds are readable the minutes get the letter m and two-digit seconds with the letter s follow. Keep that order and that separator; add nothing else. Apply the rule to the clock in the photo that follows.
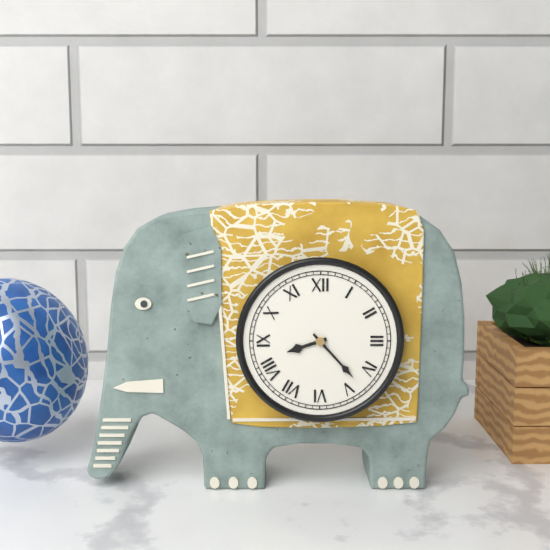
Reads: 8h23
